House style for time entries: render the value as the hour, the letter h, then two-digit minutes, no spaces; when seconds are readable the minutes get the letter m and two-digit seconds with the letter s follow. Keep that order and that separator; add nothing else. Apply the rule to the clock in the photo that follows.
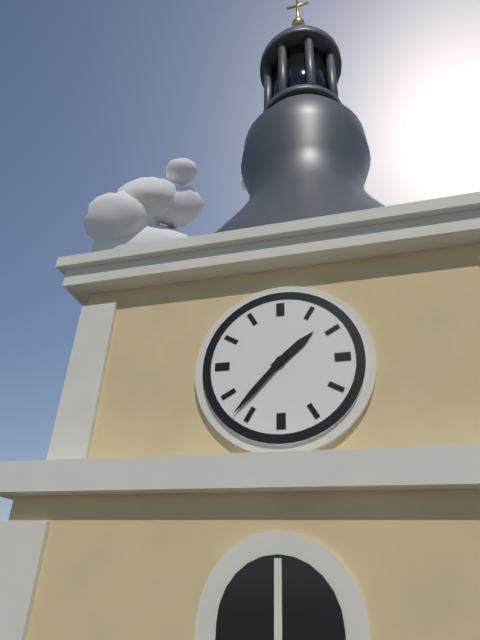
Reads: 1h37
